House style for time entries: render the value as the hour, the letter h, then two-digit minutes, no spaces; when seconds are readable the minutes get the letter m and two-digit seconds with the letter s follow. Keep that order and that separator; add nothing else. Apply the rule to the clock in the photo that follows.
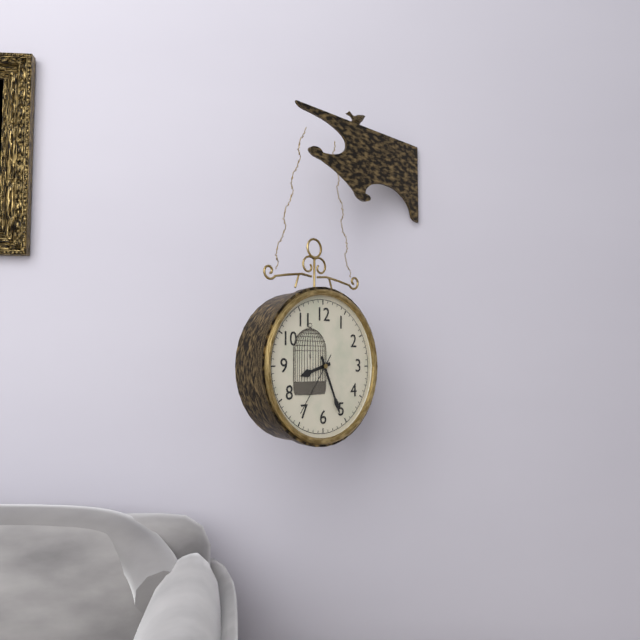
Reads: 8h26m36s
